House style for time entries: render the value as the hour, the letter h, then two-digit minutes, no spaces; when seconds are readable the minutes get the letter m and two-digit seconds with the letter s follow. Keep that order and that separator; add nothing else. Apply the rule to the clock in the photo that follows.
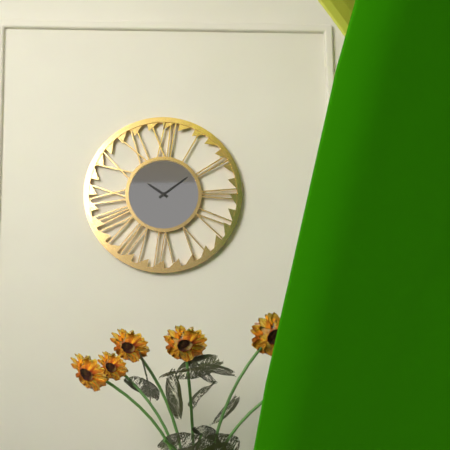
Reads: 10h09
